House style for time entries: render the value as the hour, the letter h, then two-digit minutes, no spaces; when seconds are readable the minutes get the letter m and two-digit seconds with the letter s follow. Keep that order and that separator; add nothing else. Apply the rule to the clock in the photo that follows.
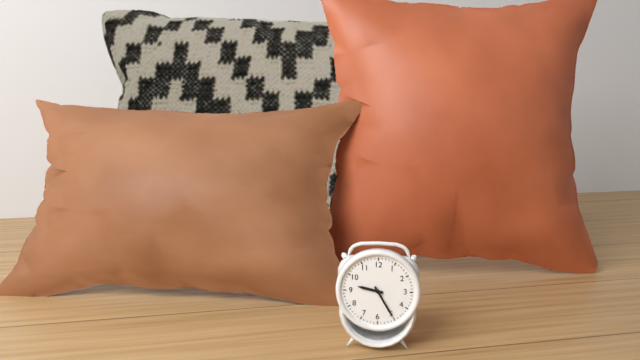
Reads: 9h25
